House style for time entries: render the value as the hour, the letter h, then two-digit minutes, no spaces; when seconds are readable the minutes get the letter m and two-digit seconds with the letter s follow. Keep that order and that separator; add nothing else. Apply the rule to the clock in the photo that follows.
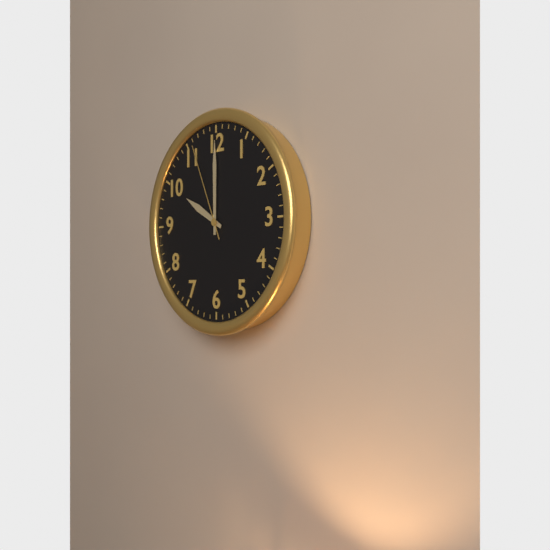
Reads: 10h00m56s
